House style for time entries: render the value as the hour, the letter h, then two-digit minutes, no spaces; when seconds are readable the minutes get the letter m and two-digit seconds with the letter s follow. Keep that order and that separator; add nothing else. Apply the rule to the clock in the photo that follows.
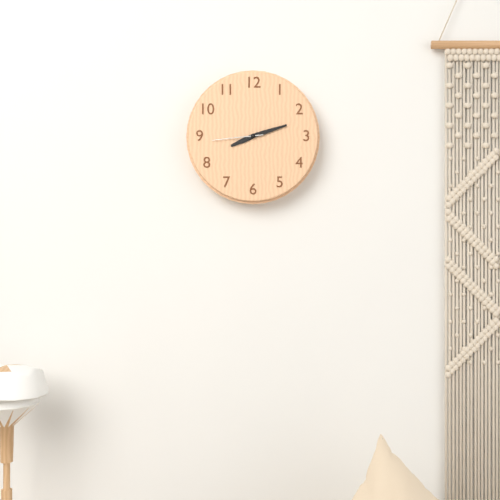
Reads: 8h12m44s
